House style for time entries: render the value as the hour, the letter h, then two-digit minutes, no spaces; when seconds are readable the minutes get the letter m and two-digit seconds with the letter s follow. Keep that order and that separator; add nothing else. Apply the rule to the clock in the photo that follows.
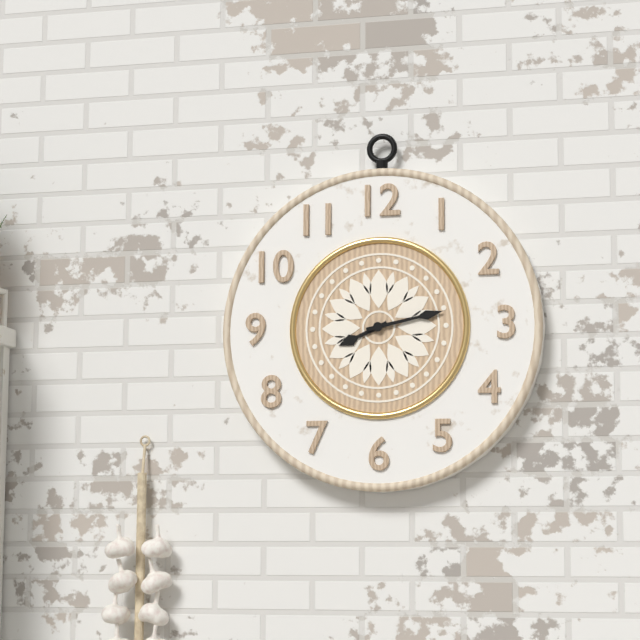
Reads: 8h13
